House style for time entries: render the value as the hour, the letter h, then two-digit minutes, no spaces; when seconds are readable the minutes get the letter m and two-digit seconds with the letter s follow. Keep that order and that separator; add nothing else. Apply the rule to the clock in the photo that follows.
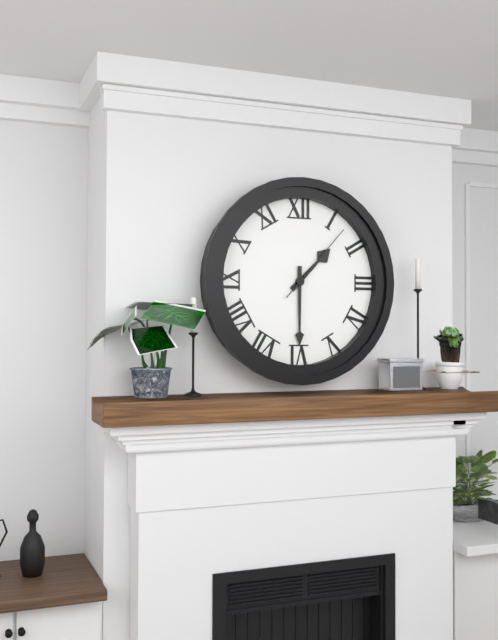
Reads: 1h30m07s
